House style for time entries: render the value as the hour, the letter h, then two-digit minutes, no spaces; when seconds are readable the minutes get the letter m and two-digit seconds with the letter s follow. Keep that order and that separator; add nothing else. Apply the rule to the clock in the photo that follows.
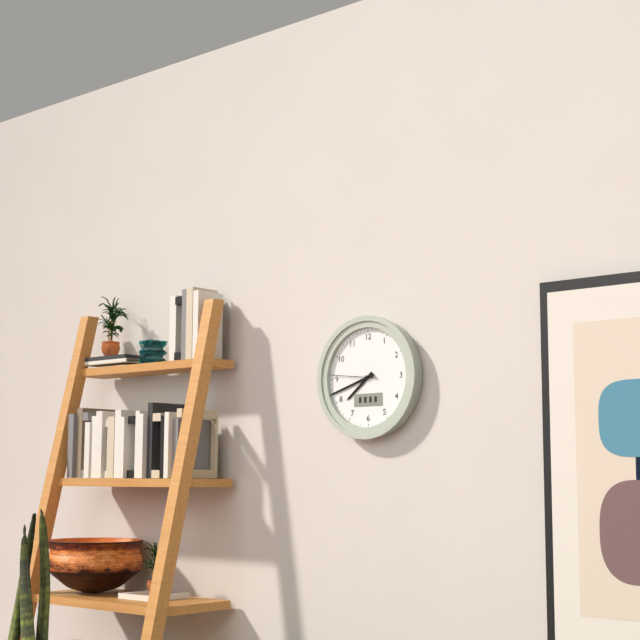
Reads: 7h42
